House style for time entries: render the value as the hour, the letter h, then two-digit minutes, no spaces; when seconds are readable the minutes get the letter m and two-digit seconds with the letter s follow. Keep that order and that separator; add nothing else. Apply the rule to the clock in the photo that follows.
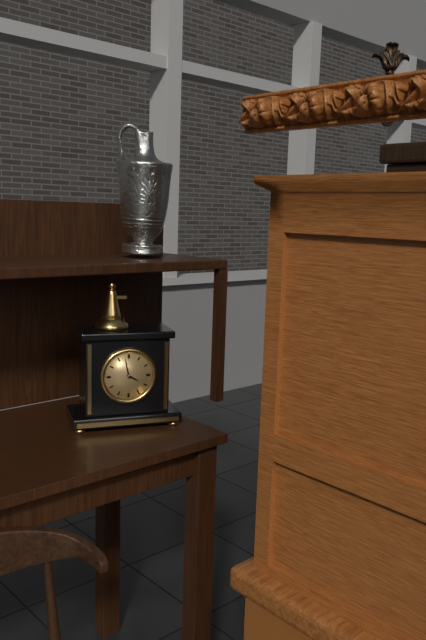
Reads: 3h58
